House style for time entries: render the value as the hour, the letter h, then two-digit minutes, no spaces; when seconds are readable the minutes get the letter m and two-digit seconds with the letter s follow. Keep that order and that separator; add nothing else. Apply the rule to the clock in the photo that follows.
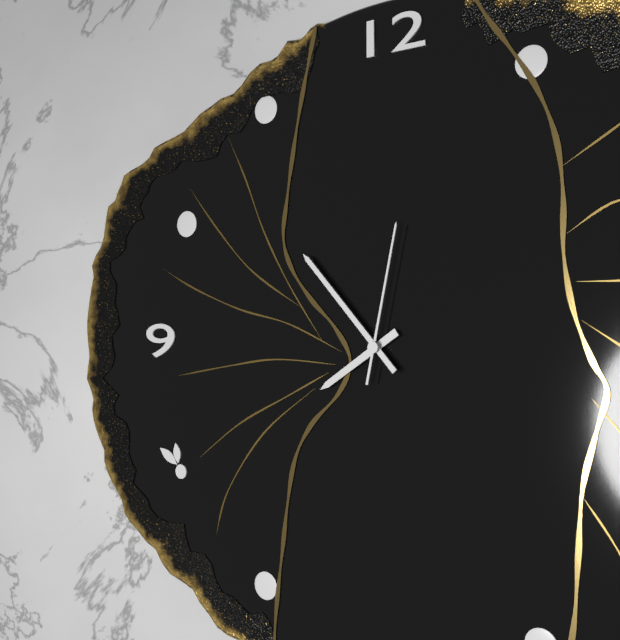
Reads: 7h53m02s
